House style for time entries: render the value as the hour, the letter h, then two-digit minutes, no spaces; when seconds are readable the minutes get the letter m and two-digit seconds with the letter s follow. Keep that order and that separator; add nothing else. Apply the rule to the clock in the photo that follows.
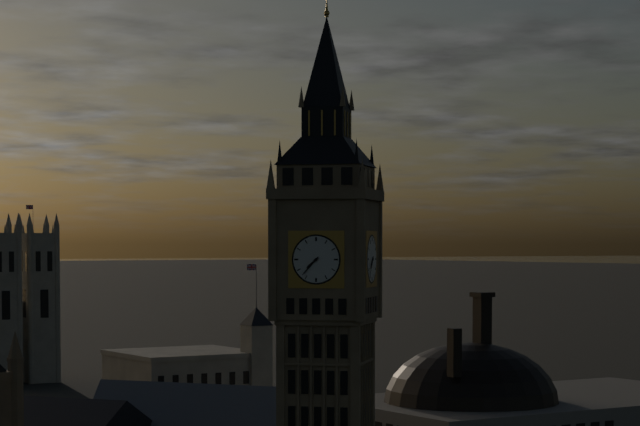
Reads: 7h37
